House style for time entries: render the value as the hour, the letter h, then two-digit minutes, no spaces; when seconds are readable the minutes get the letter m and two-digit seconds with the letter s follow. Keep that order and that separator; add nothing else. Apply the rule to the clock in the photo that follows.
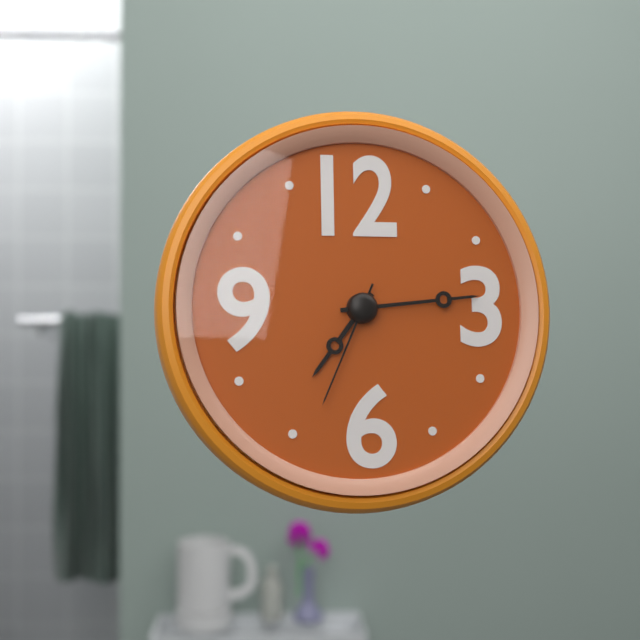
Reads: 7h14m34s
